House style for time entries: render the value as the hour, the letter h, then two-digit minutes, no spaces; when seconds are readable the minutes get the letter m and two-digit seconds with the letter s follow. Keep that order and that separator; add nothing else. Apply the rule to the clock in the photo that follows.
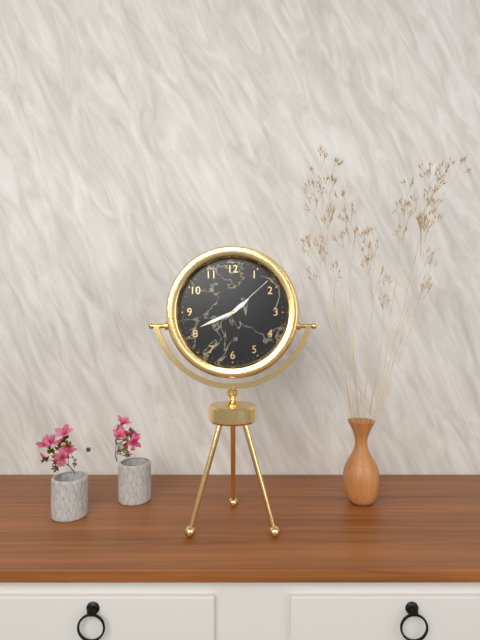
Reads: 1h41m08s
